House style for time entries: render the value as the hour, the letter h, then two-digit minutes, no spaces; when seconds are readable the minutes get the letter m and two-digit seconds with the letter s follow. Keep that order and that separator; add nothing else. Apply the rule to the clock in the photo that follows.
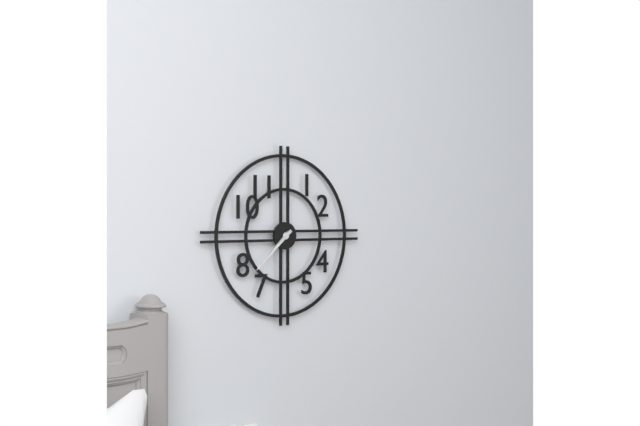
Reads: 7h38
